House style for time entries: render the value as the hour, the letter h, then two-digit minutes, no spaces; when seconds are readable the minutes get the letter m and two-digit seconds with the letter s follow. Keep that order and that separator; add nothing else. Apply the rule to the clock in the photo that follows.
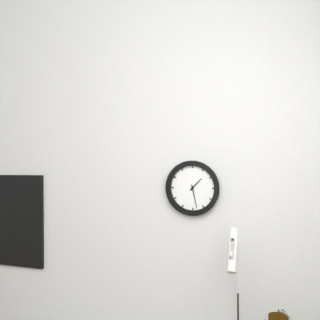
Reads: 1h28
